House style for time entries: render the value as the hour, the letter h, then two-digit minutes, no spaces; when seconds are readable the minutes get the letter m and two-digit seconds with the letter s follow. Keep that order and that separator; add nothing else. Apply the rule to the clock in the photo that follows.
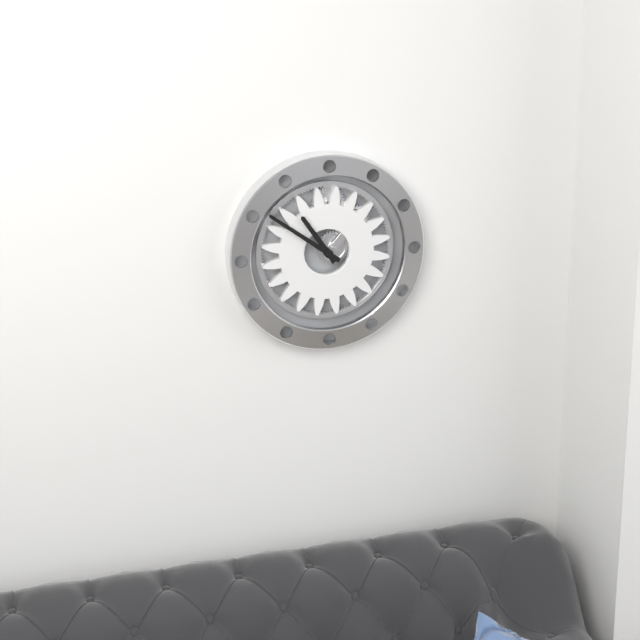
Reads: 10h51
